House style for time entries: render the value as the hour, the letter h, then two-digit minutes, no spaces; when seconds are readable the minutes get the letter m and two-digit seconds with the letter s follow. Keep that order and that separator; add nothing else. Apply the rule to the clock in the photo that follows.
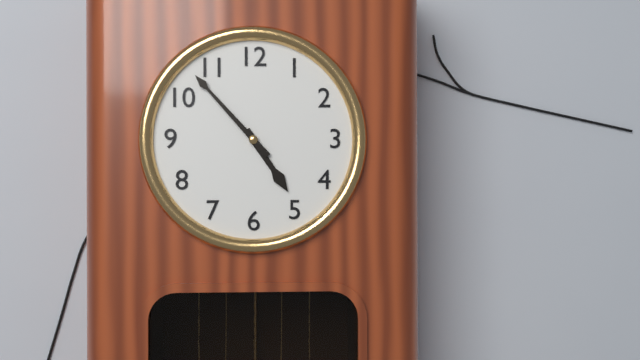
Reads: 4h53
